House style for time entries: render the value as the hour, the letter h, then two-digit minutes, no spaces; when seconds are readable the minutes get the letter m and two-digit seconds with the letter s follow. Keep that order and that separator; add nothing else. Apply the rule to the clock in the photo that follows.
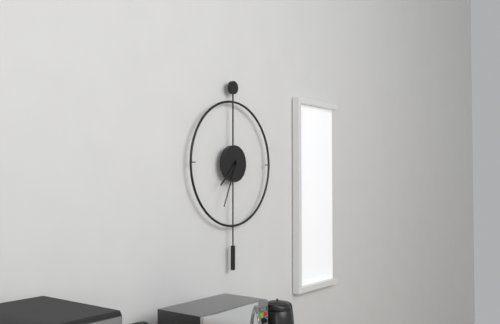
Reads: 7h34
